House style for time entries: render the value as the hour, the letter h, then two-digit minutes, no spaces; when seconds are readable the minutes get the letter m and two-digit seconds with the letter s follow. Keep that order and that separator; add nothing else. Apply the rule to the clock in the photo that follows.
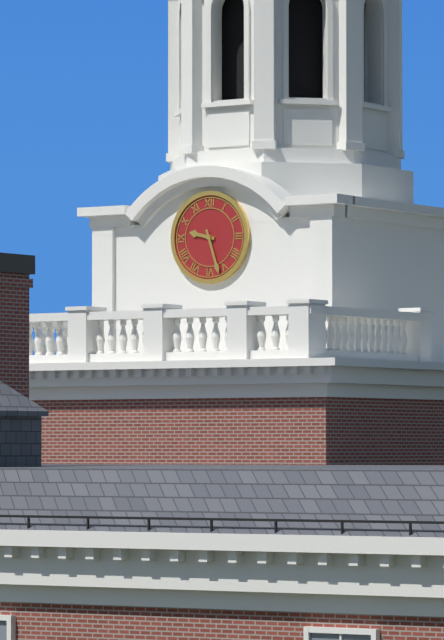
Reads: 9h27
